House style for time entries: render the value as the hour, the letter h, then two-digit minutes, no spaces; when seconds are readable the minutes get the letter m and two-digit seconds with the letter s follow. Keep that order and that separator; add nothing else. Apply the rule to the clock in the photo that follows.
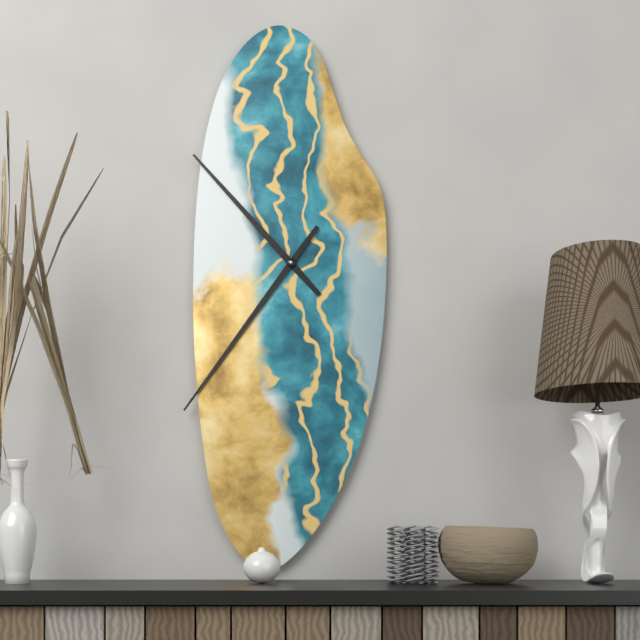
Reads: 10h36
